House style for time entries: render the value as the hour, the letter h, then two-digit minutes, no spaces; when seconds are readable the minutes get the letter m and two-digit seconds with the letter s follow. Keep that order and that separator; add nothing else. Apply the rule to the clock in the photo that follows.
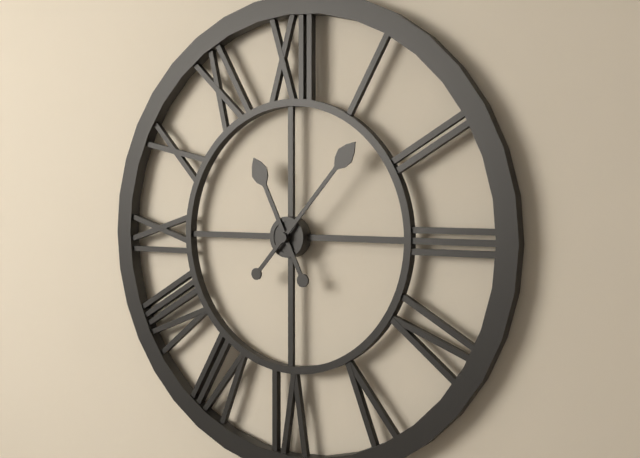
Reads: 11h07
